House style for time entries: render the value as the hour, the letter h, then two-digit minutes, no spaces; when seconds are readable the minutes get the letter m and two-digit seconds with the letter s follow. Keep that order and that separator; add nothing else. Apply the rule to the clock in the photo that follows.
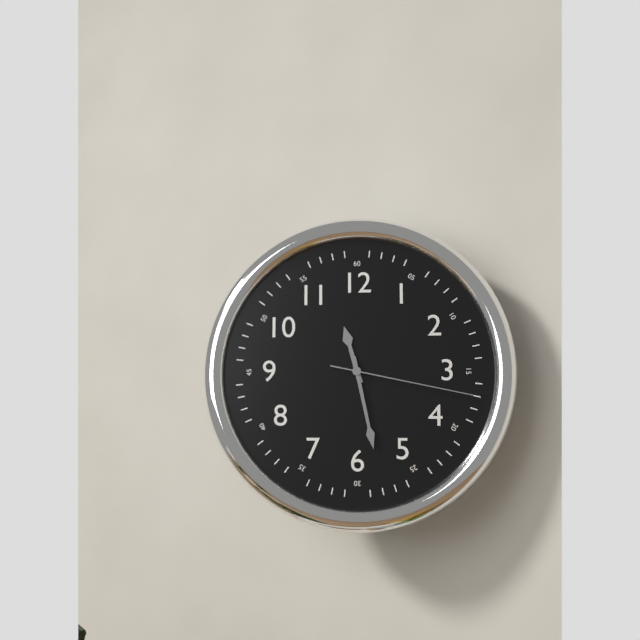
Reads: 11h28m17s
